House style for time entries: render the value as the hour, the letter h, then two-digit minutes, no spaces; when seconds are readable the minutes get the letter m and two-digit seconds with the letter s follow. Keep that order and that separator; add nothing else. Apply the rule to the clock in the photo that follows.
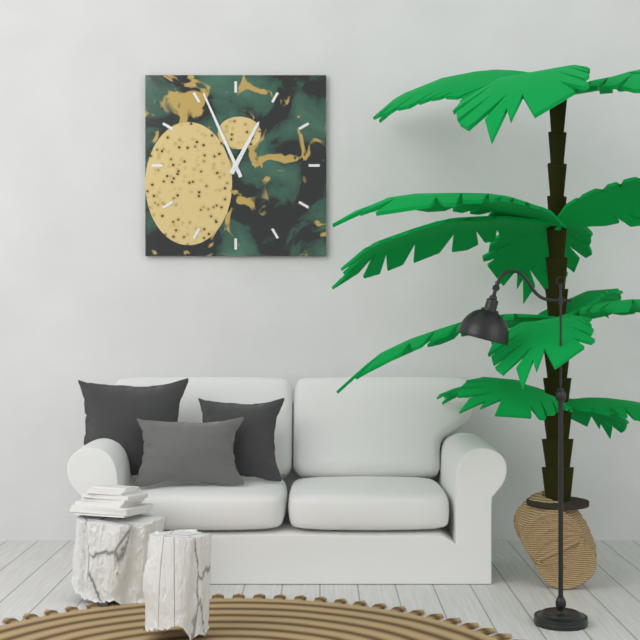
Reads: 12h56
